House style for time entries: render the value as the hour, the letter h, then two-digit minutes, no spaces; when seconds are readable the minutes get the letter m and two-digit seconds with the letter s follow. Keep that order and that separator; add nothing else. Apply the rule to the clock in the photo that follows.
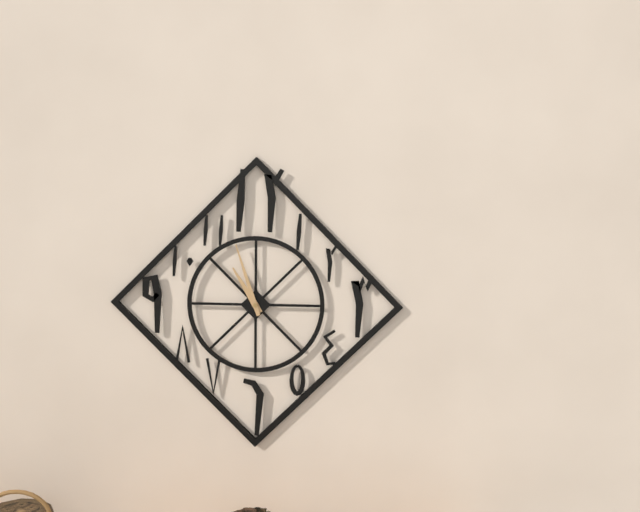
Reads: 10h57
